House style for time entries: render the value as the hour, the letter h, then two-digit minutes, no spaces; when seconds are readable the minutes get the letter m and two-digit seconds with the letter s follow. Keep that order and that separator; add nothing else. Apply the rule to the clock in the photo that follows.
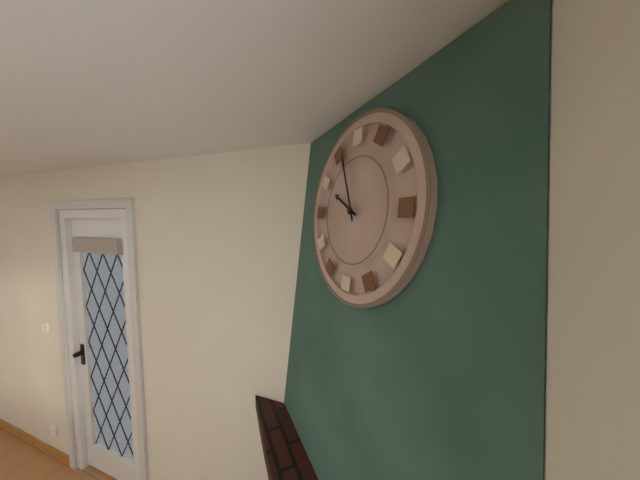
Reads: 9h56
